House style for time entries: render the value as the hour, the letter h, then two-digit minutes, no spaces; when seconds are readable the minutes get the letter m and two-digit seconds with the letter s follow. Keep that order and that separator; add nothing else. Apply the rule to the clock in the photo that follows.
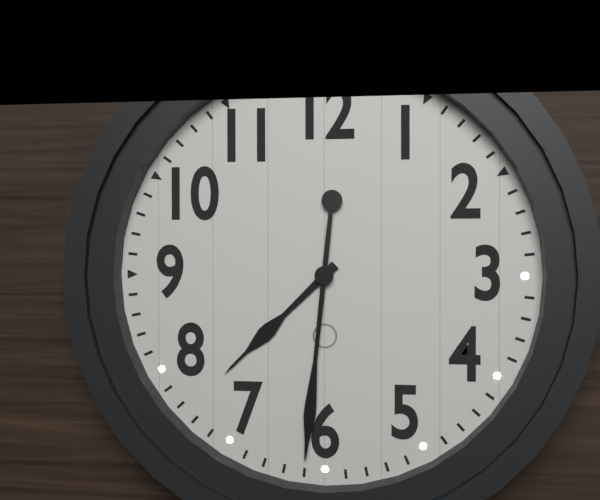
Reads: 7h31
